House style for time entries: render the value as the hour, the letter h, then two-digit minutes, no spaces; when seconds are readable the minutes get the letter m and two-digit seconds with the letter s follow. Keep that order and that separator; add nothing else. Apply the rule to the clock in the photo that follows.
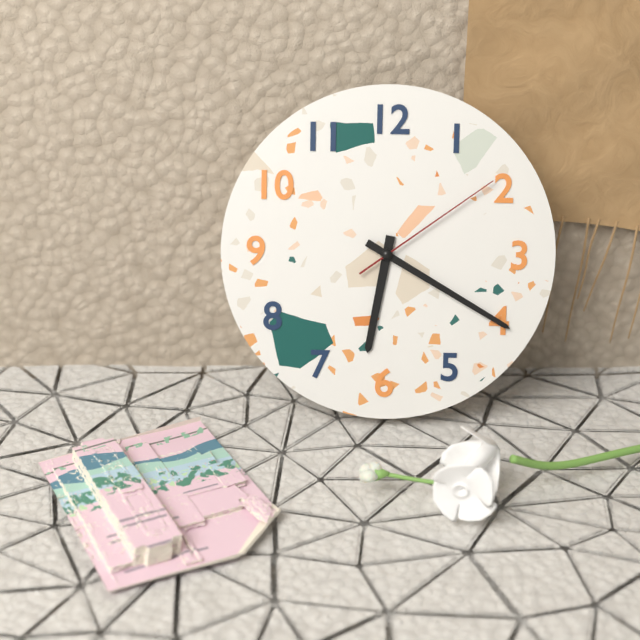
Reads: 6h20m09s
